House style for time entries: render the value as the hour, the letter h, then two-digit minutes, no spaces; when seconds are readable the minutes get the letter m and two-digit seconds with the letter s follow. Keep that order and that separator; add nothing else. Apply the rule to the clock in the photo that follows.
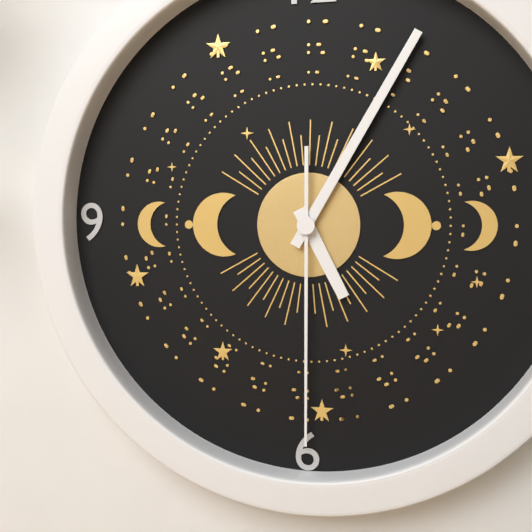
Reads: 5h05m30s
